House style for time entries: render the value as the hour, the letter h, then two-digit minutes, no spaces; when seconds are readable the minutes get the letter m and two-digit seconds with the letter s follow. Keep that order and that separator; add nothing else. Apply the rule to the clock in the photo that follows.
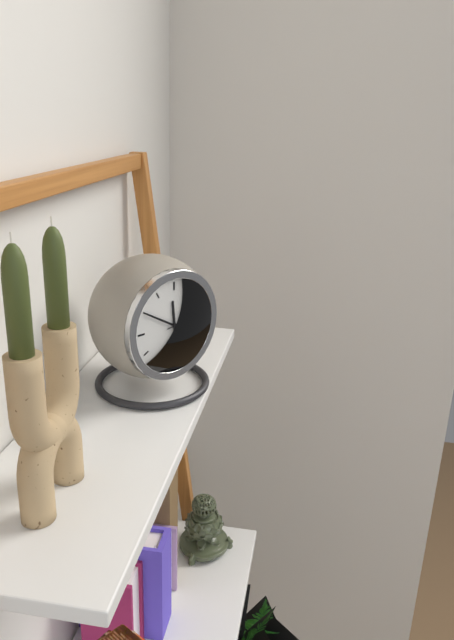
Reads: 11h50
